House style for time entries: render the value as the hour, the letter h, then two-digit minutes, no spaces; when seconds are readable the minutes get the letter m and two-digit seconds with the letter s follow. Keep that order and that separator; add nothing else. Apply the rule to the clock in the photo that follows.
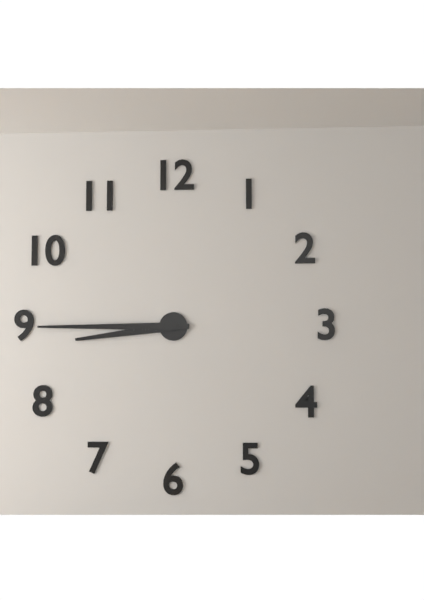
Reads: 8h45
